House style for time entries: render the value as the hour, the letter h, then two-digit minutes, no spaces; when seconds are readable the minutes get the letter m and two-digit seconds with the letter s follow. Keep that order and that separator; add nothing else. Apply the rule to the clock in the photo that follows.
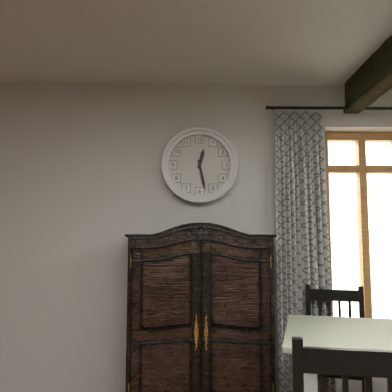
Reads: 12h28
